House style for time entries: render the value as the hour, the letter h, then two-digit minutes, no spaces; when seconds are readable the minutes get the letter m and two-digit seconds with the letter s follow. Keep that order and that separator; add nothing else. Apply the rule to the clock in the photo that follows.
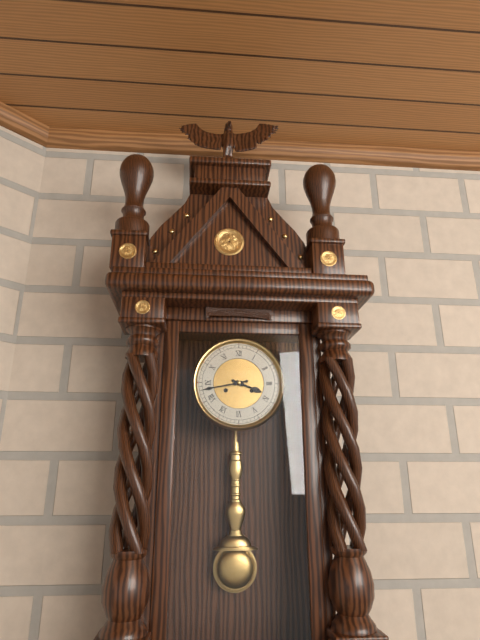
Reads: 3h43
